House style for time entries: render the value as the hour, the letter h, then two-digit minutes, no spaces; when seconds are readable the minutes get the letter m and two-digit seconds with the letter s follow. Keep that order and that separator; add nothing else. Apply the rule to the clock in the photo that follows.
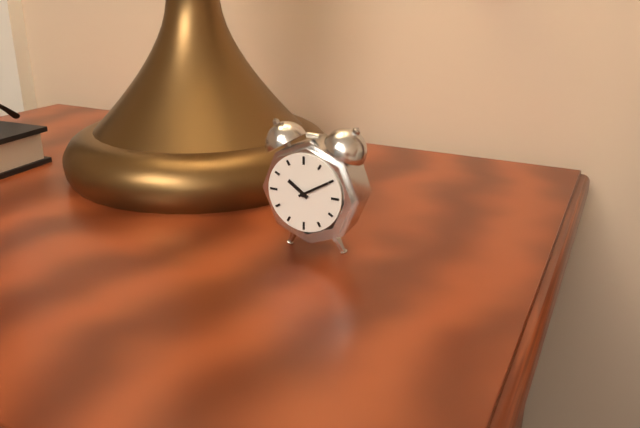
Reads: 10h10
